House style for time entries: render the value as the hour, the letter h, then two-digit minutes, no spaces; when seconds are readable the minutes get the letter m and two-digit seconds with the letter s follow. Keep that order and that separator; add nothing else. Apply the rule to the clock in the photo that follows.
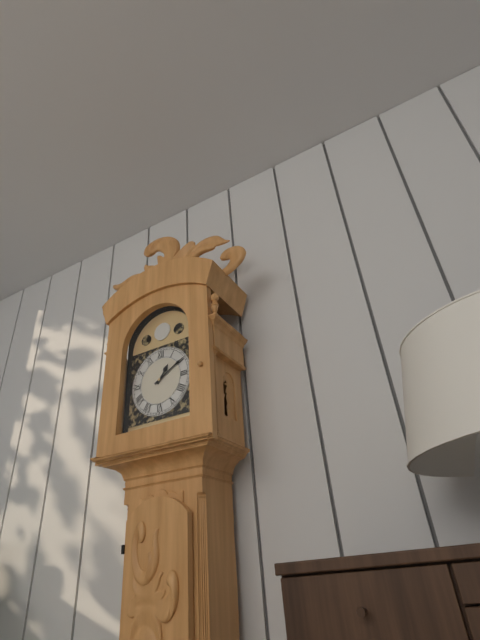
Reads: 1h10
